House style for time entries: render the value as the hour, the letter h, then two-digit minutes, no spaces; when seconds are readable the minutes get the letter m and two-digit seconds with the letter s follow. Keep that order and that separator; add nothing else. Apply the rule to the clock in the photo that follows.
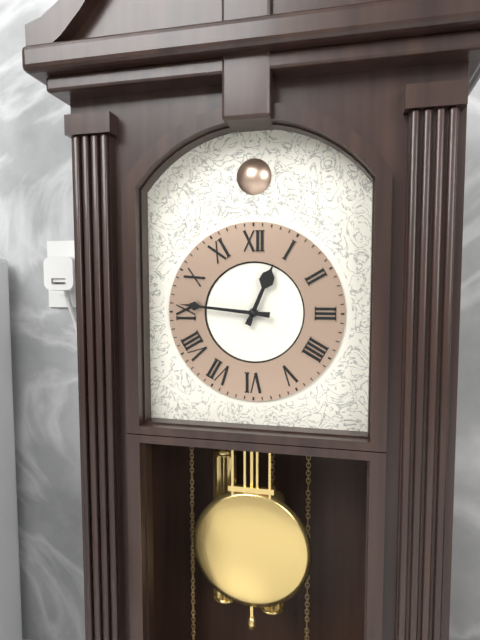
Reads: 12h46
